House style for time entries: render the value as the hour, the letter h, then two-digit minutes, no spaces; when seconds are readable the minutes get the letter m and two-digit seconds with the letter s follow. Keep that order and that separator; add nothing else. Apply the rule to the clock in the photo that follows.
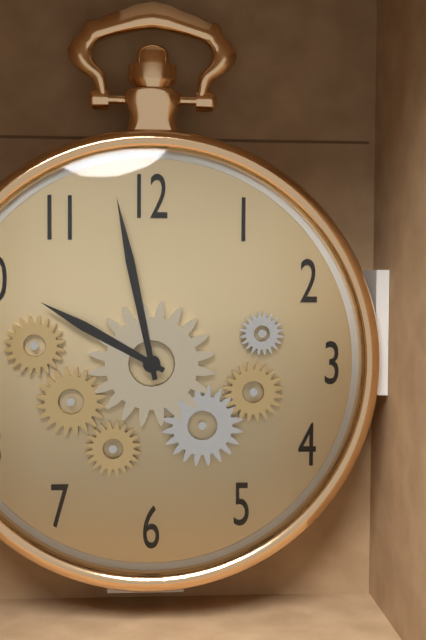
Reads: 9h58
